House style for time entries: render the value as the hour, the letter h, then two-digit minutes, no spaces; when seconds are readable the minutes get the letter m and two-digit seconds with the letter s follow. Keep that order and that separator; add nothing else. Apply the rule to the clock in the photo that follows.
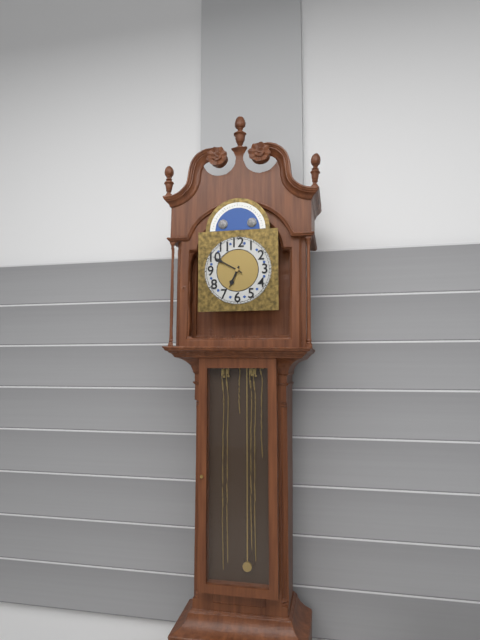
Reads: 6h50
